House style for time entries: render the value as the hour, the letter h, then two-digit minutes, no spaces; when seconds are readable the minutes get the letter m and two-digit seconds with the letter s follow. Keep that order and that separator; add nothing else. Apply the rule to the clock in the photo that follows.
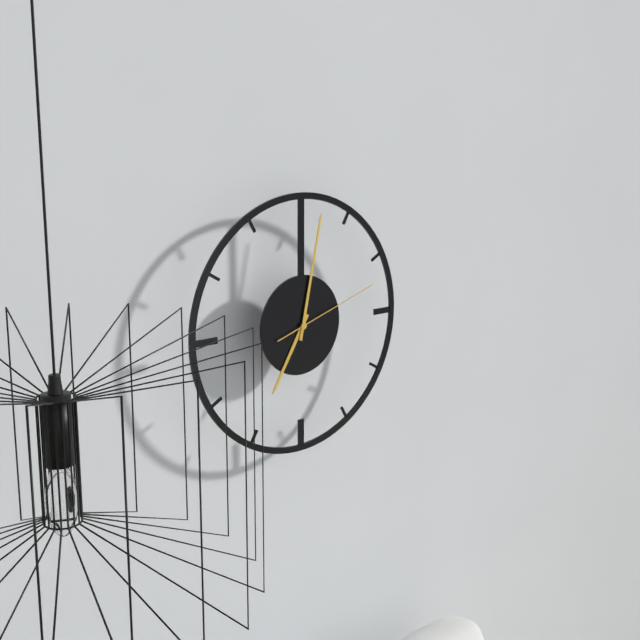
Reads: 7h02m12s
